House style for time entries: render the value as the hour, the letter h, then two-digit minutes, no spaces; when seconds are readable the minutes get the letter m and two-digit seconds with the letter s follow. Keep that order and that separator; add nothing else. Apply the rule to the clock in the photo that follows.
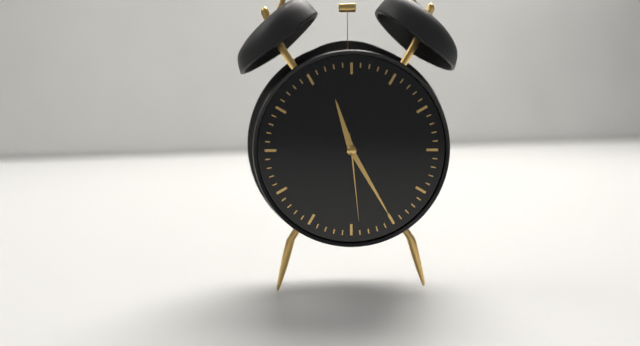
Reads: 11h25m29s
